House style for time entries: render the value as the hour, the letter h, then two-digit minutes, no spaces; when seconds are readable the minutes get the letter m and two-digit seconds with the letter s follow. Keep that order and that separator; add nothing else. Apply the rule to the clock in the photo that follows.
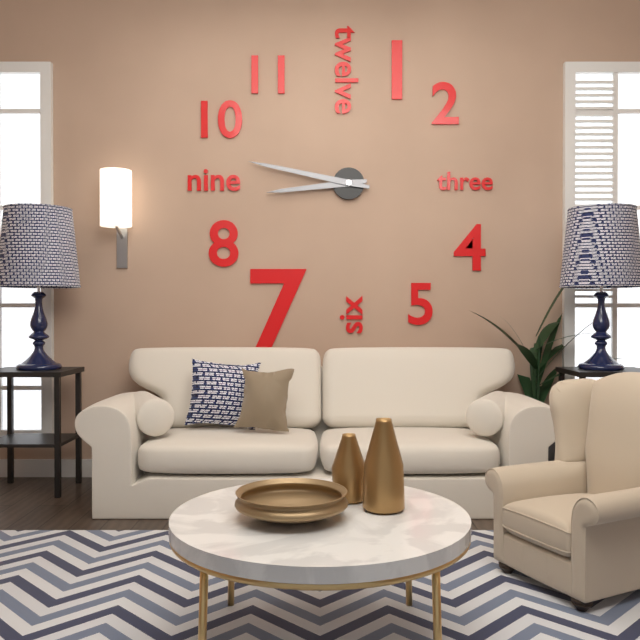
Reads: 8h47
